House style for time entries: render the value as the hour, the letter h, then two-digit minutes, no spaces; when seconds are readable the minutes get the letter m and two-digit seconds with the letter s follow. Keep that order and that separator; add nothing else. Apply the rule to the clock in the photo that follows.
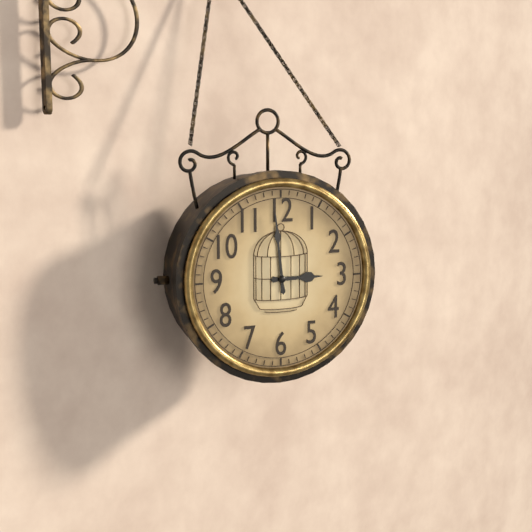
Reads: 2h59
